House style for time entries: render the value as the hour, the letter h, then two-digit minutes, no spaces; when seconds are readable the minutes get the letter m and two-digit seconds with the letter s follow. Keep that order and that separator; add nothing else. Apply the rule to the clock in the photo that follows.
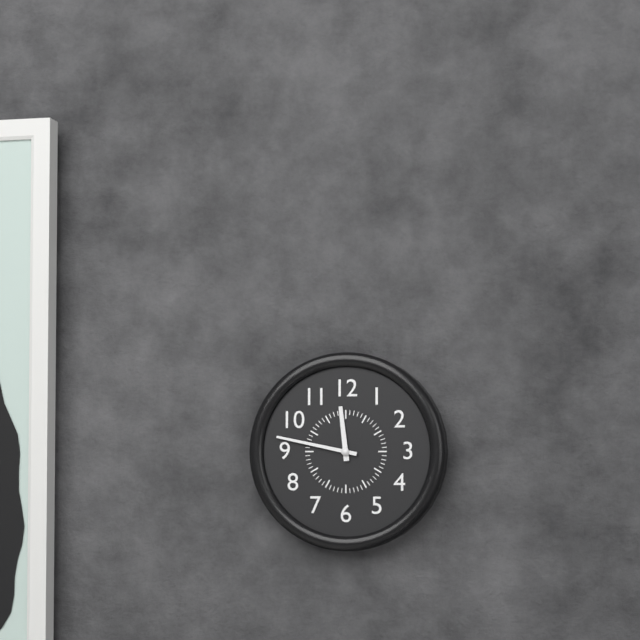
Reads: 11h47
